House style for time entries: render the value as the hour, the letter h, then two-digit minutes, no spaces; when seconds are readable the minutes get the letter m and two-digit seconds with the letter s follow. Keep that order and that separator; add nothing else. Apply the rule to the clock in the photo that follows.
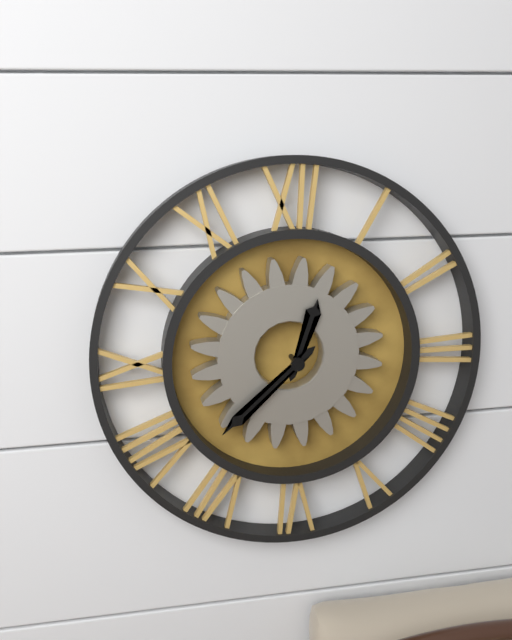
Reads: 12h38
